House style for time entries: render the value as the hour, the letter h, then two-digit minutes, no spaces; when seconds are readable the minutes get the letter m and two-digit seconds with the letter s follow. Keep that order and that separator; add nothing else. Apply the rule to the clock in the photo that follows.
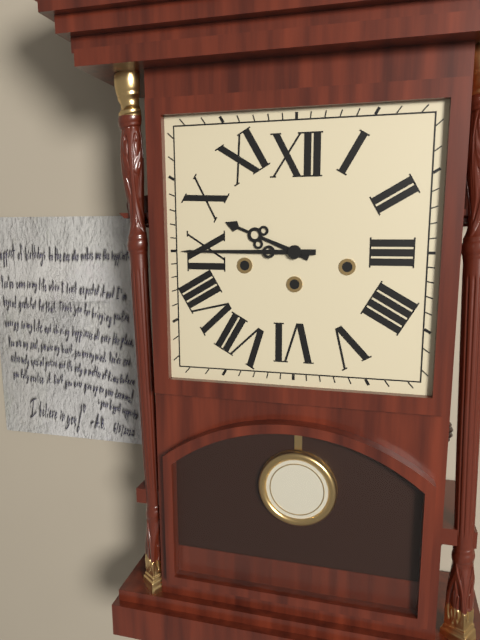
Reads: 9h45
